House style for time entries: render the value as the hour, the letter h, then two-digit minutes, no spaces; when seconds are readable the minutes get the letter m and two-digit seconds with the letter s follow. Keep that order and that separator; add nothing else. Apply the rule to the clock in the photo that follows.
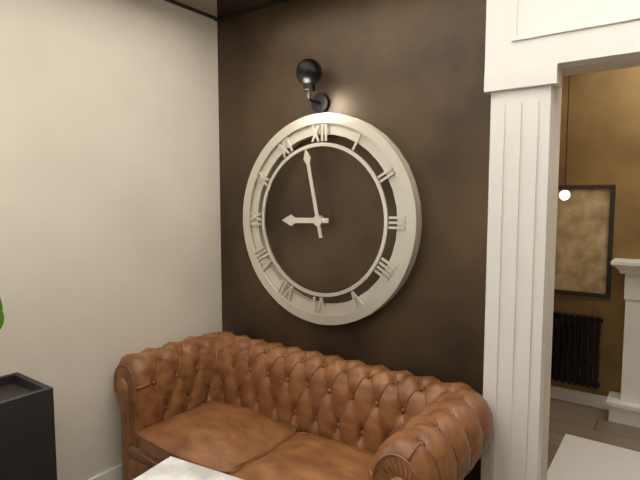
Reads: 8h58
